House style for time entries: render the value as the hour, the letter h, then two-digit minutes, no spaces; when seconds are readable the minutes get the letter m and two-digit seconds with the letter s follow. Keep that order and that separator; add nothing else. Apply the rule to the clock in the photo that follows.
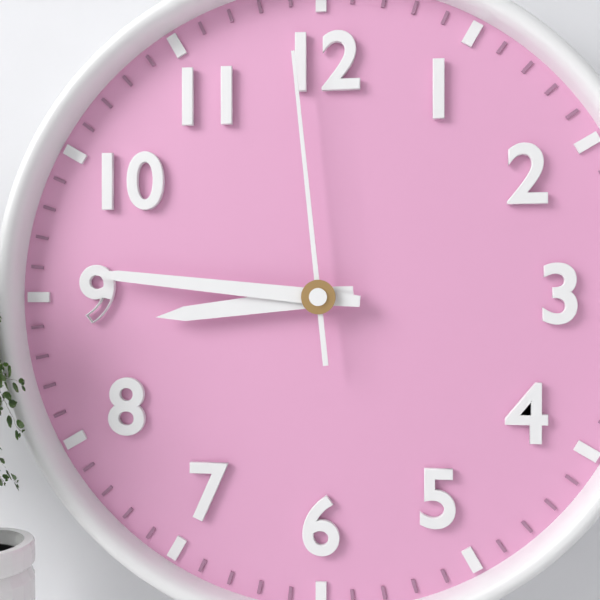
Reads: 8h46m59s
